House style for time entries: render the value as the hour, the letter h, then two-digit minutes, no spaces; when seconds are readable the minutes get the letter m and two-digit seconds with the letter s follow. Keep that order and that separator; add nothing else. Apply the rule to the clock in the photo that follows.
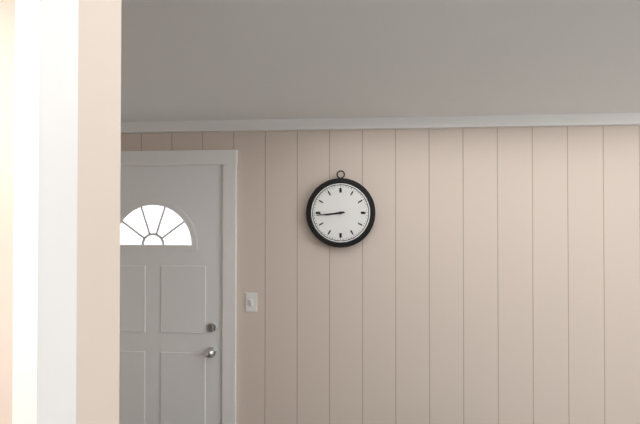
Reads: 8h44
